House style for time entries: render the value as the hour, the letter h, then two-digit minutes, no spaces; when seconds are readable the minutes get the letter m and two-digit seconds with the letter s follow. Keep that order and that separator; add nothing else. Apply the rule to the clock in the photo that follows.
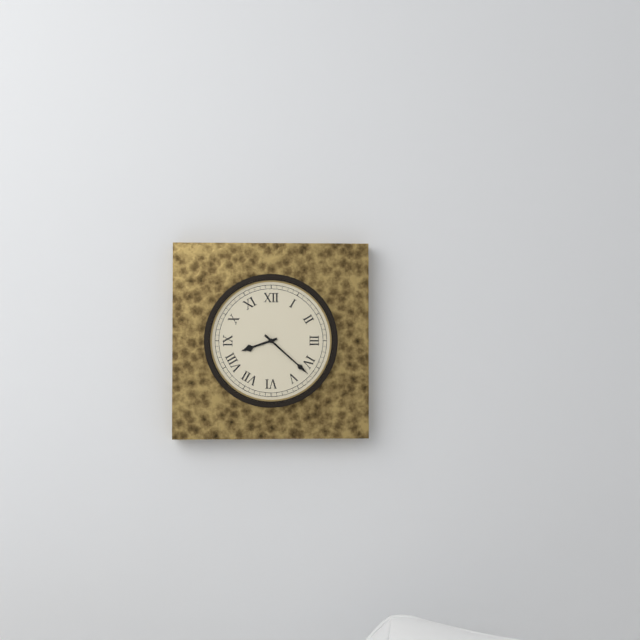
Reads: 8h22
